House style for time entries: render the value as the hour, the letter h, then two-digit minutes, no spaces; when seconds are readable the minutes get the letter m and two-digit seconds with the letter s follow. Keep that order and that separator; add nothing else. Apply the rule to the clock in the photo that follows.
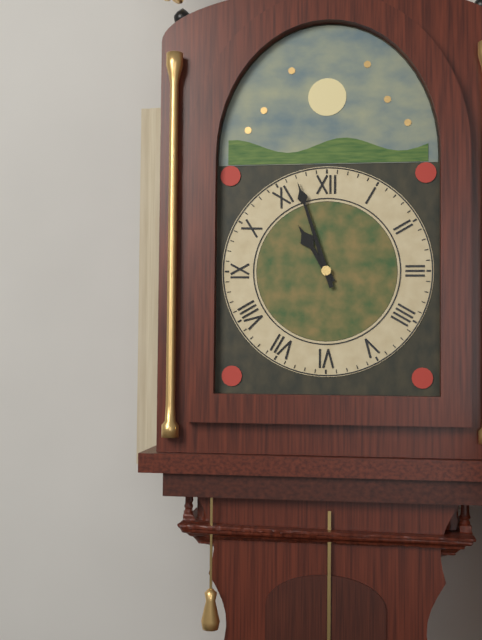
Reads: 10h57
